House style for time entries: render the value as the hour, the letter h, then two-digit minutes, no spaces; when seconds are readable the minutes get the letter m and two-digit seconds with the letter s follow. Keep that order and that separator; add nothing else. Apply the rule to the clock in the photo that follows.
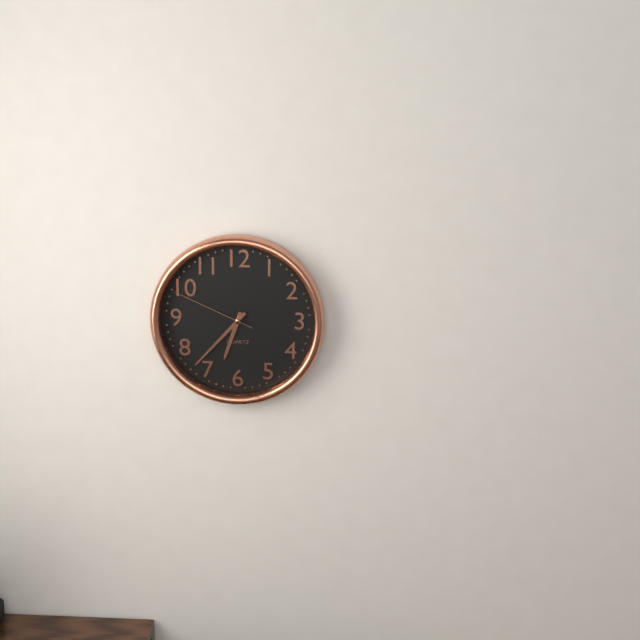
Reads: 6h37m49s
